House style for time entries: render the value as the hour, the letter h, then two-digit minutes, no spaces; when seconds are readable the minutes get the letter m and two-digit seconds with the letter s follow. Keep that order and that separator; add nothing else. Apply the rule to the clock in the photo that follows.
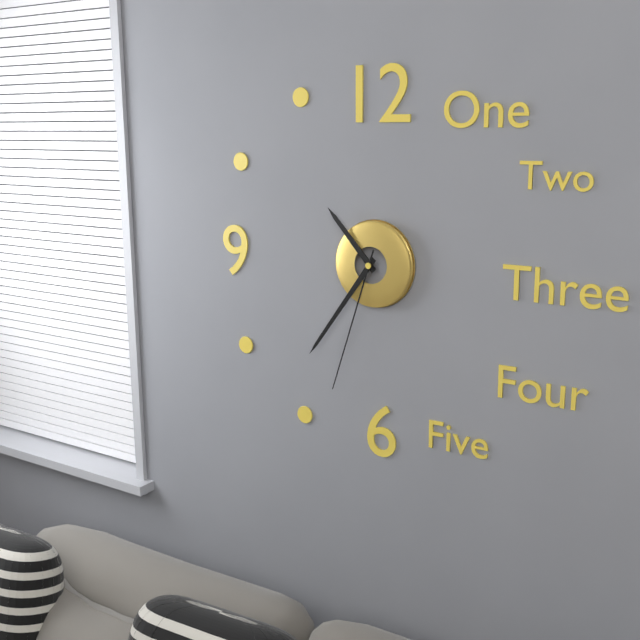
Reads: 10h36m33s
